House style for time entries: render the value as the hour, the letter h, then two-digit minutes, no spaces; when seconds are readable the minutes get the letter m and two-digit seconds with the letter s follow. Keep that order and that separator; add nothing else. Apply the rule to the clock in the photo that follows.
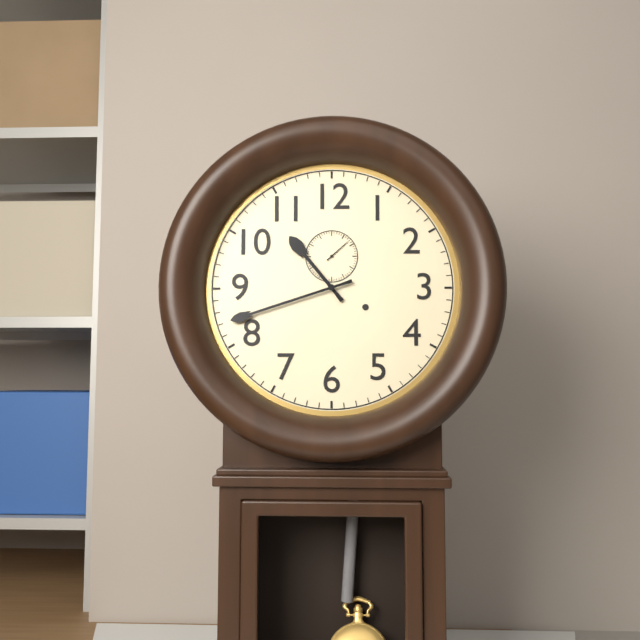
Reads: 10h42
